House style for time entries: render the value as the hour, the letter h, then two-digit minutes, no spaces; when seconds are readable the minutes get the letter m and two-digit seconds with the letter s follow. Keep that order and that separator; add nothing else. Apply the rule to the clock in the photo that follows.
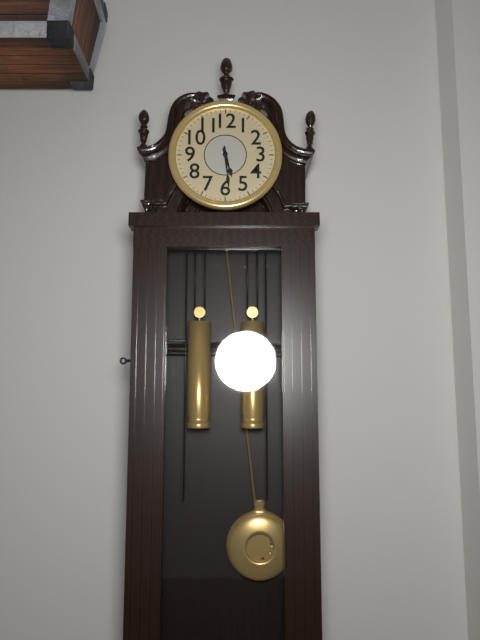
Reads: 5h29
